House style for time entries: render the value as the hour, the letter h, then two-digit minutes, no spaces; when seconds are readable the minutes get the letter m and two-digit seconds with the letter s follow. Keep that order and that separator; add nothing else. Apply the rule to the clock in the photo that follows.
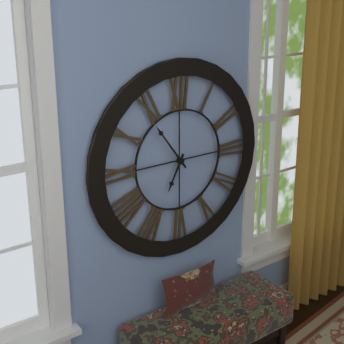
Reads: 6h54
